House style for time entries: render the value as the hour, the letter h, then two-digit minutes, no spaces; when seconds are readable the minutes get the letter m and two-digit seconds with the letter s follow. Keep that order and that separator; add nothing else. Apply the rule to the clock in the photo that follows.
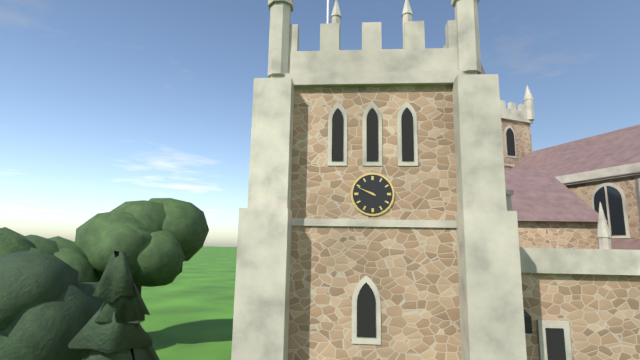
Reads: 9h49
